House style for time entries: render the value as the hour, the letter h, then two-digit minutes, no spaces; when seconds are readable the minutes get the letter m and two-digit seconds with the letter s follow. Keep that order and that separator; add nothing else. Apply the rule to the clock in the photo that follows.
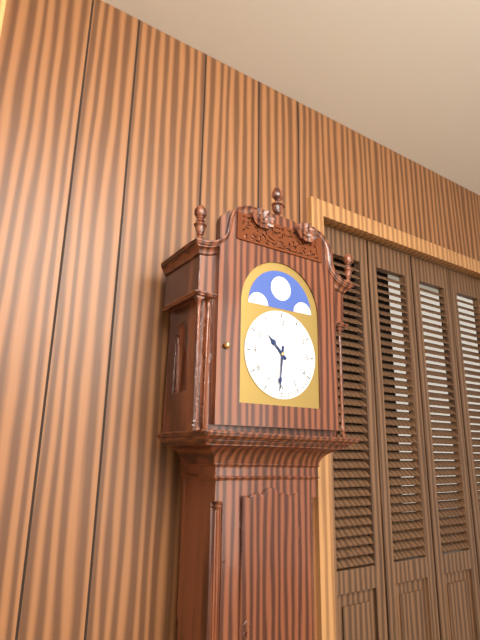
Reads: 10h31
